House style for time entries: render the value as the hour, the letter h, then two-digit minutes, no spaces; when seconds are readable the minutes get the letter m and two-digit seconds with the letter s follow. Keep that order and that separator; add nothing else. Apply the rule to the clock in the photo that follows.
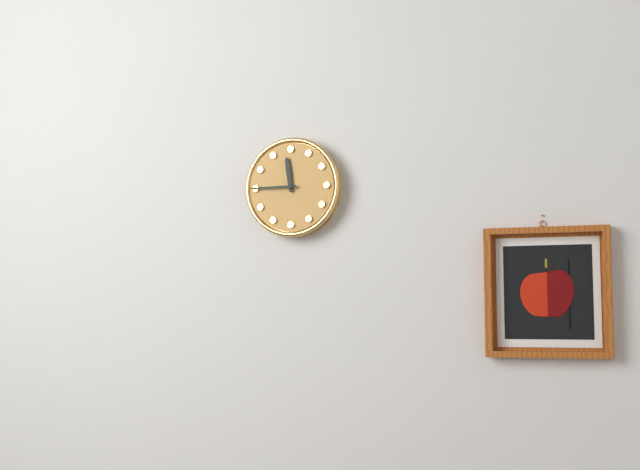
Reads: 11h45
